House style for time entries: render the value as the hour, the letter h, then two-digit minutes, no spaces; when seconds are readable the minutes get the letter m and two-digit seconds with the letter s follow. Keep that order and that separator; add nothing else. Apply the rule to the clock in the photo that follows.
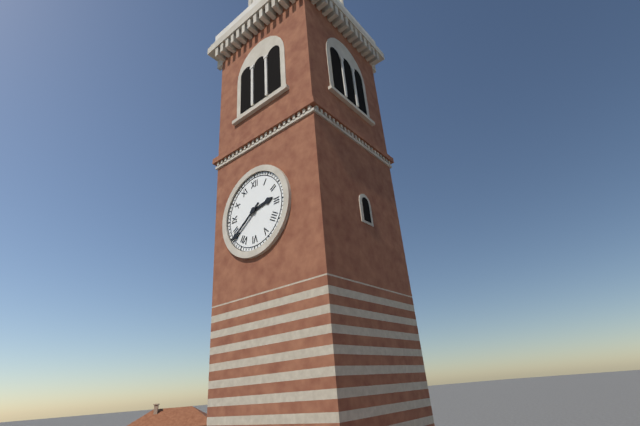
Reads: 2h39
